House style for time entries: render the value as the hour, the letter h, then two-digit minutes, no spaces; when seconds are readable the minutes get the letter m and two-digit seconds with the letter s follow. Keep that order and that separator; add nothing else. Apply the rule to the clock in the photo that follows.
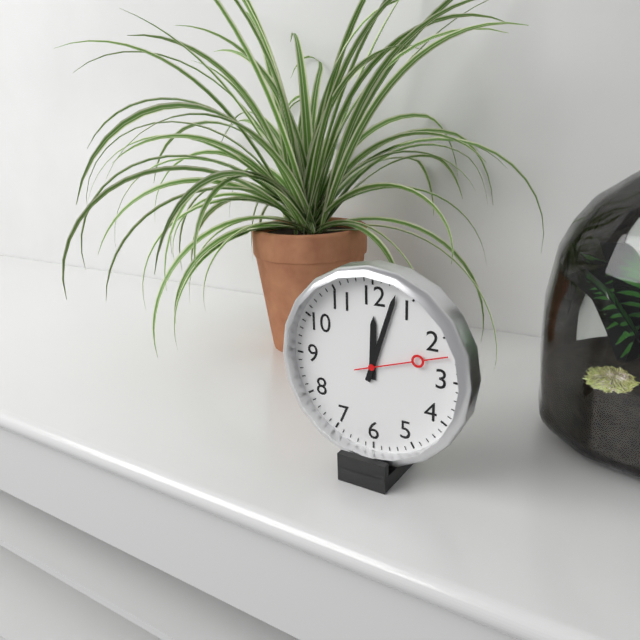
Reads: 12h03m12s
